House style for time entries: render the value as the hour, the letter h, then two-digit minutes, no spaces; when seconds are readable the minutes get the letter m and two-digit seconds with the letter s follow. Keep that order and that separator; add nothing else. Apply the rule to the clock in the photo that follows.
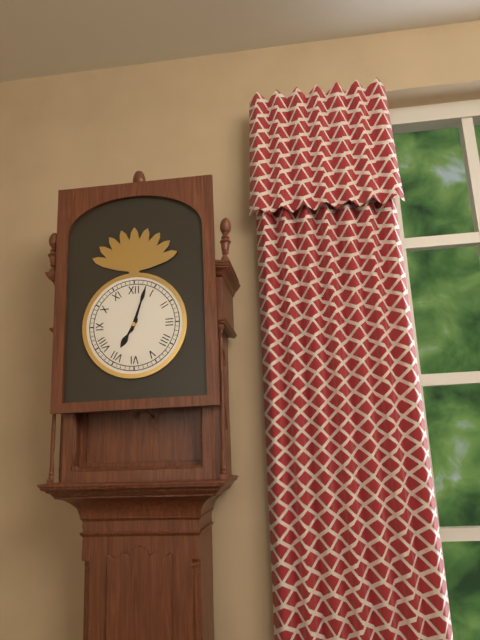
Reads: 7h03
